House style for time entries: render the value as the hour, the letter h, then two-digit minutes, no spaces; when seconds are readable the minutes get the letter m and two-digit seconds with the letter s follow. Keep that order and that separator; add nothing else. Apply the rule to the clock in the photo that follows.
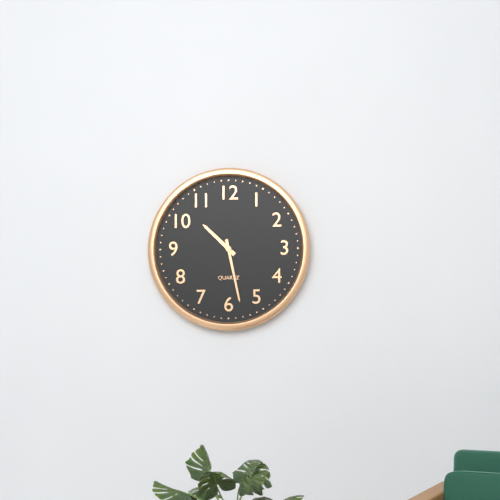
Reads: 10h28
